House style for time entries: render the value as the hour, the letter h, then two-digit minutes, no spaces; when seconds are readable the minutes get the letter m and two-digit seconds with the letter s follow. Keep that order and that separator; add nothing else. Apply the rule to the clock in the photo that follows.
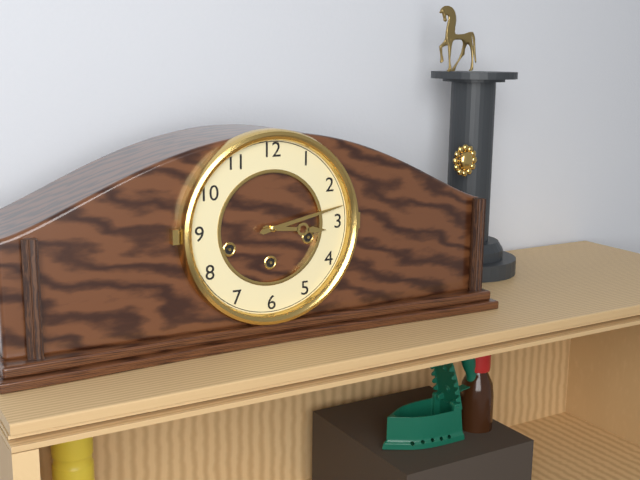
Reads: 3h13
